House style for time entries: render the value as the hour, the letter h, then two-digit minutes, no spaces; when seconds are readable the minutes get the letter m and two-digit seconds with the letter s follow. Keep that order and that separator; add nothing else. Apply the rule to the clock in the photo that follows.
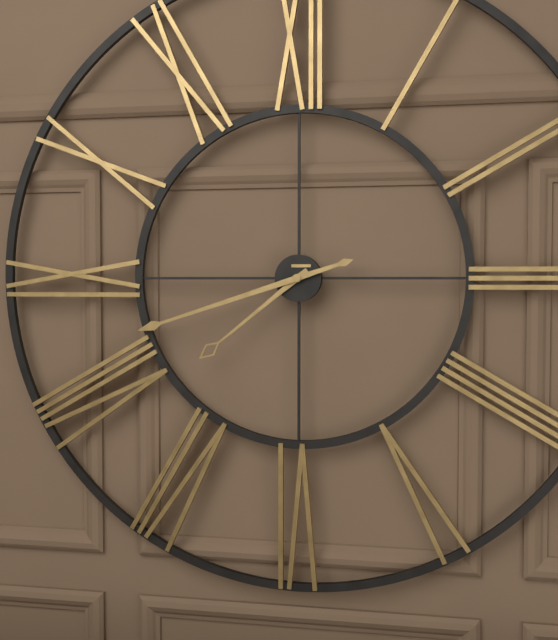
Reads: 7h42
